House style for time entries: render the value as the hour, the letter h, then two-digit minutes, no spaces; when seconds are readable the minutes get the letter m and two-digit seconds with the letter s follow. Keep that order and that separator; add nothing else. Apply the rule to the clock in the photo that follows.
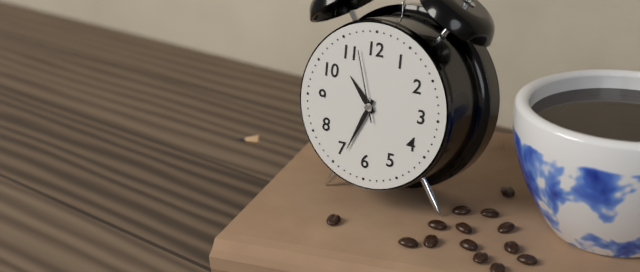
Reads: 10h34m57s
